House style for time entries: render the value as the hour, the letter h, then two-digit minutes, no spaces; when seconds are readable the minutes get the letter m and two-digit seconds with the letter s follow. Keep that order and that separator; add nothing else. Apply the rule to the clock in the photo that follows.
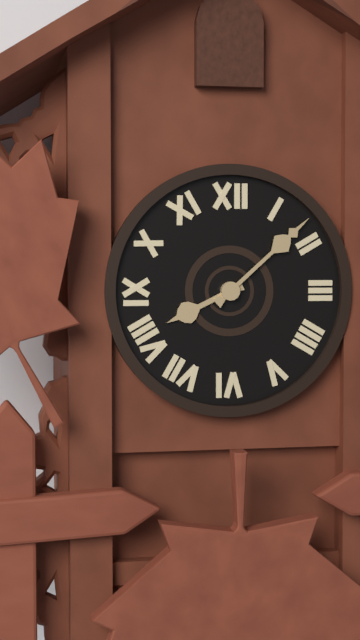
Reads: 8h08
